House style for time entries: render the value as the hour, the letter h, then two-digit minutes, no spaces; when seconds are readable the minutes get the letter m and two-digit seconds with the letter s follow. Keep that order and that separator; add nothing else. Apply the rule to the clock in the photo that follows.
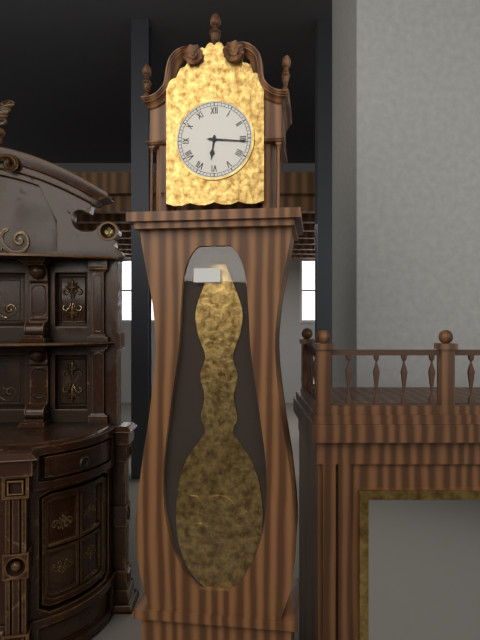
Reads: 6h16
